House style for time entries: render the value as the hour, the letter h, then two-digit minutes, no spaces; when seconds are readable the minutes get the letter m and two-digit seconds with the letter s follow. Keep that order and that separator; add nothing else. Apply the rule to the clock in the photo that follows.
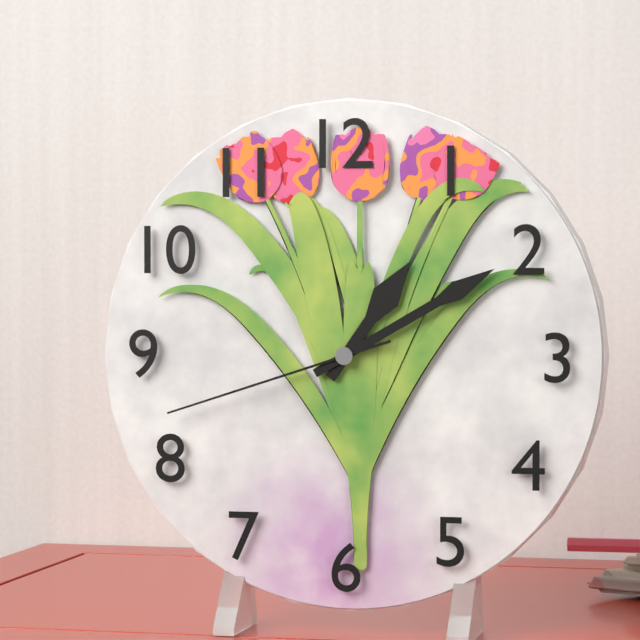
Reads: 1h10m42s
